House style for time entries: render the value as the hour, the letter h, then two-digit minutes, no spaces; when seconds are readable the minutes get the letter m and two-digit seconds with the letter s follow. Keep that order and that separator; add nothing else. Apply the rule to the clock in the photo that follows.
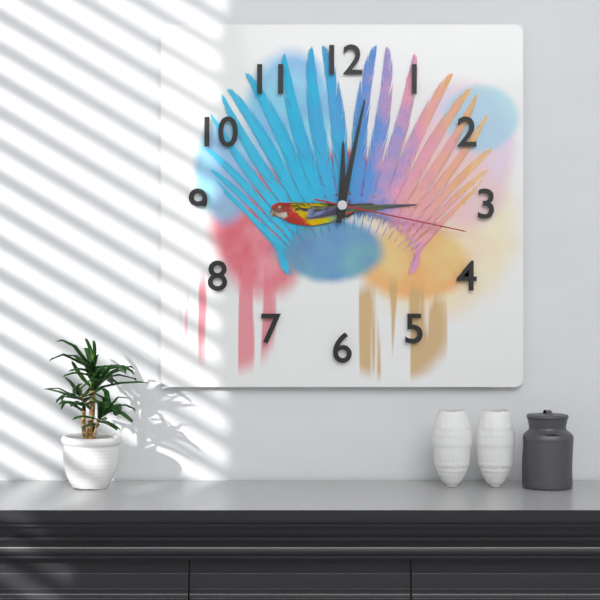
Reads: 12h02m17s
